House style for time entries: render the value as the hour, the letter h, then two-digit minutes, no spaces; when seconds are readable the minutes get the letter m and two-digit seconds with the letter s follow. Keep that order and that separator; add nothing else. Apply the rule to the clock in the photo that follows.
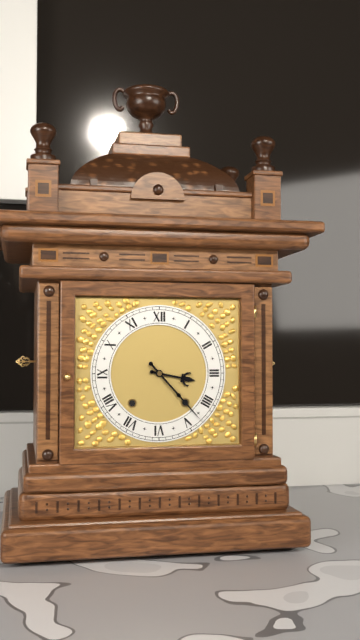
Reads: 3h23
